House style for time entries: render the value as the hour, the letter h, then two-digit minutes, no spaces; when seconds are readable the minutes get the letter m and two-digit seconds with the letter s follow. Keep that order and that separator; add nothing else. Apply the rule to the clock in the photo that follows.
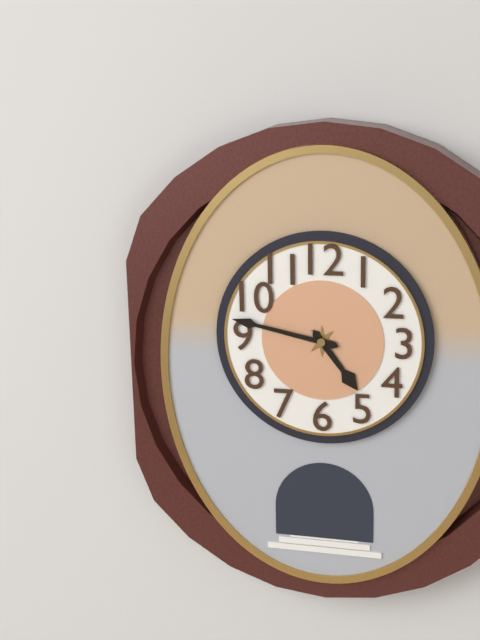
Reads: 4h47
